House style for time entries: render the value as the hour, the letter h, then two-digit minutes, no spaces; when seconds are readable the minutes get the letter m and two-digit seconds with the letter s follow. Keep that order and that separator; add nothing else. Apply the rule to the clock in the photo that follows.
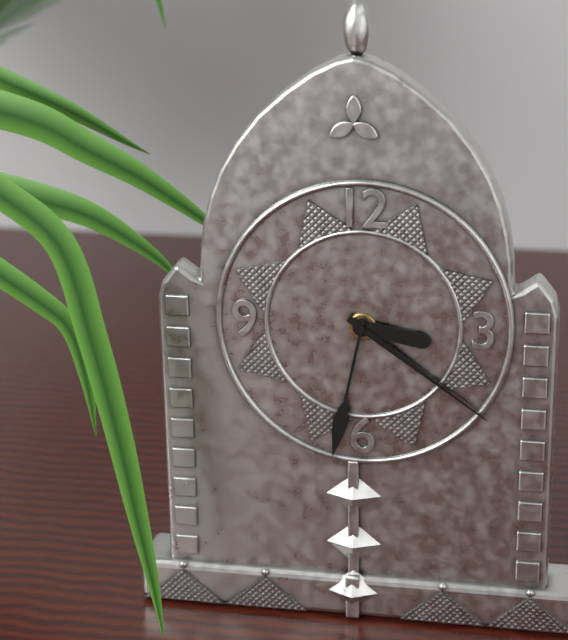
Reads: 3h21m32s
